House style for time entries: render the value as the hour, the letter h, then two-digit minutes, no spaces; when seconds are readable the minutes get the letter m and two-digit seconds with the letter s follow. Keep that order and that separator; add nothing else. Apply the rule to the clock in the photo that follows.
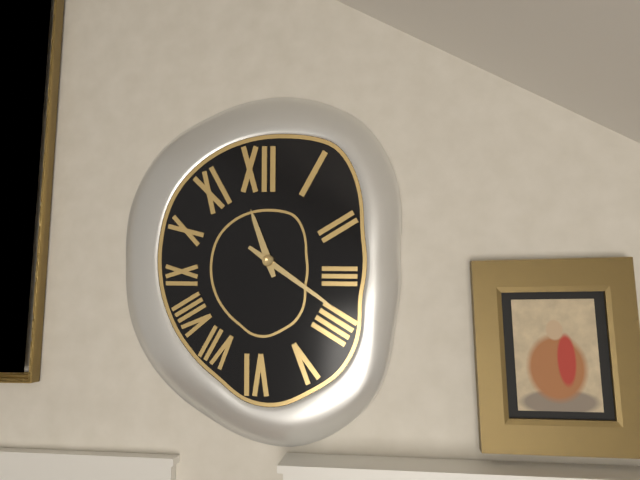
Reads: 11h21
